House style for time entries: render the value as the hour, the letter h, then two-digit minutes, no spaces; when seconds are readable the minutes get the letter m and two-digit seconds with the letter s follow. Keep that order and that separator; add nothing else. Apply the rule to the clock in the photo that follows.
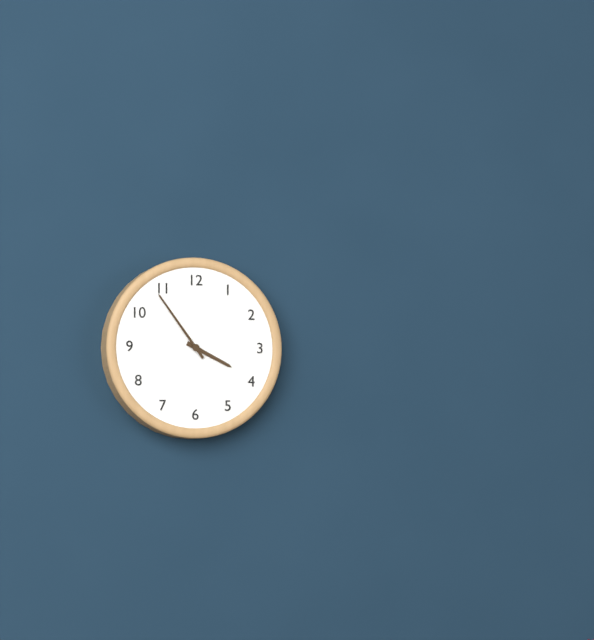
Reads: 3h54
